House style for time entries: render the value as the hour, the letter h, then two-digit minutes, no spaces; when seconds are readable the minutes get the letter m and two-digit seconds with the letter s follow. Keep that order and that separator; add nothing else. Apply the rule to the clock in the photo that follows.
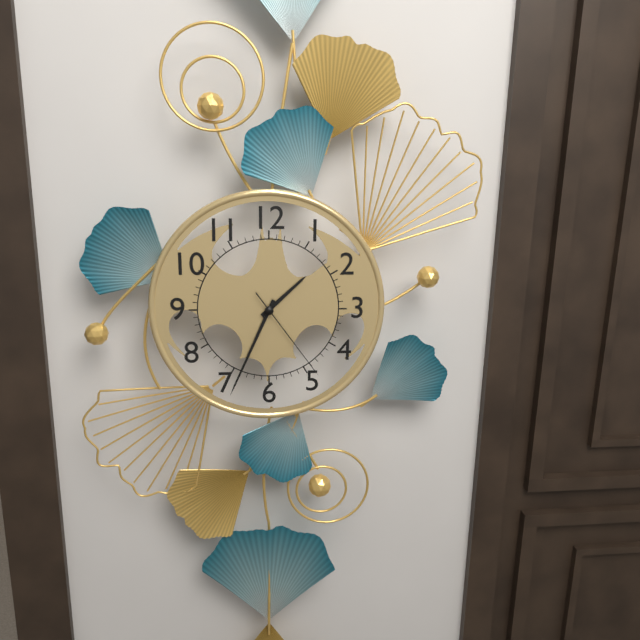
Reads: 1h34m24s
